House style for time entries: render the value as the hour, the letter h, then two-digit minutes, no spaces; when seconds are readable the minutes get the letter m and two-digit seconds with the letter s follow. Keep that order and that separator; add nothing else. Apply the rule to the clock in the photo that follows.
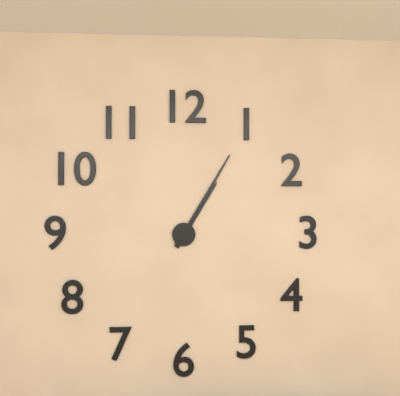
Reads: 1h05
